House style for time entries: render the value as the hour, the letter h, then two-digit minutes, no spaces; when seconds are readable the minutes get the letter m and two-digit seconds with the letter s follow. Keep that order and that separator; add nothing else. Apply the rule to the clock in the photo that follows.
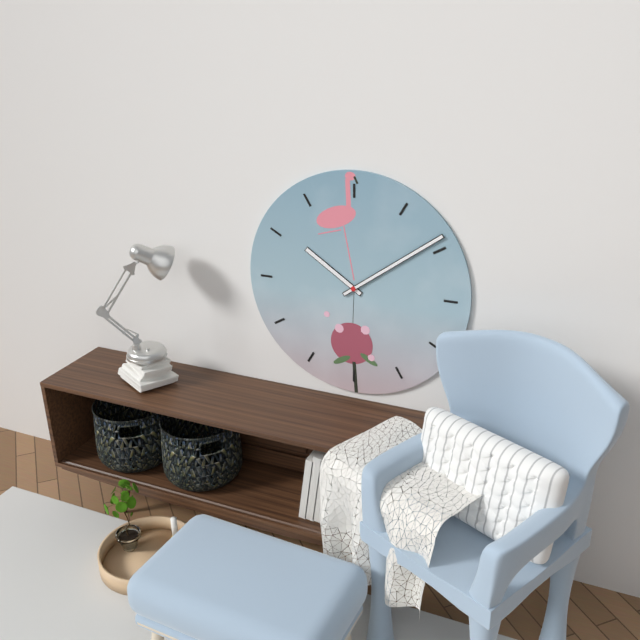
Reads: 10h09
